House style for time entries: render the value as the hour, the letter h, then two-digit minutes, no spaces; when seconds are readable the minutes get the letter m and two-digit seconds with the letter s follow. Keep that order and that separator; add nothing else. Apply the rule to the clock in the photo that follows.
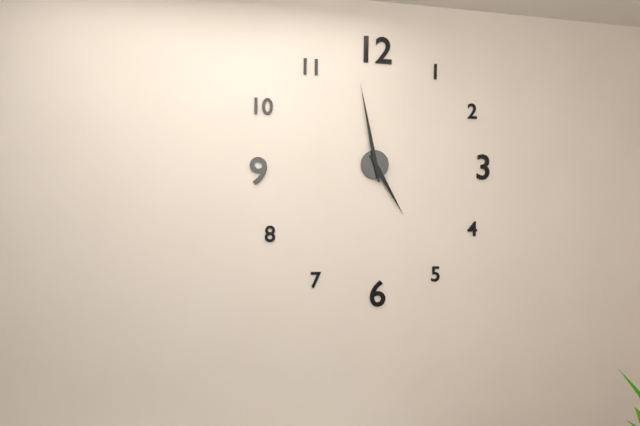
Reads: 4h58
